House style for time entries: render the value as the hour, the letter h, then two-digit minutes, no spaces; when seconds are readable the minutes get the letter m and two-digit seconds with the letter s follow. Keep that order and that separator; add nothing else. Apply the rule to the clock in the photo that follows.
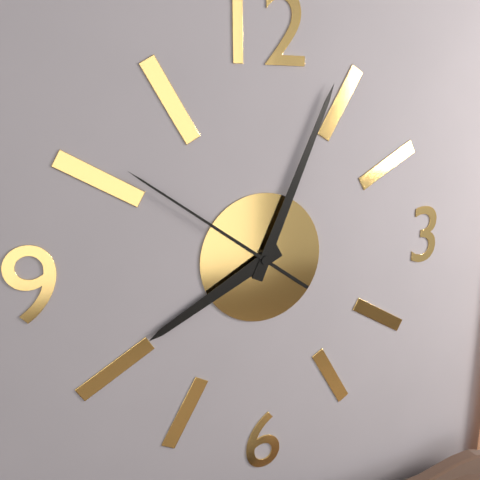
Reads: 8h04m51s
